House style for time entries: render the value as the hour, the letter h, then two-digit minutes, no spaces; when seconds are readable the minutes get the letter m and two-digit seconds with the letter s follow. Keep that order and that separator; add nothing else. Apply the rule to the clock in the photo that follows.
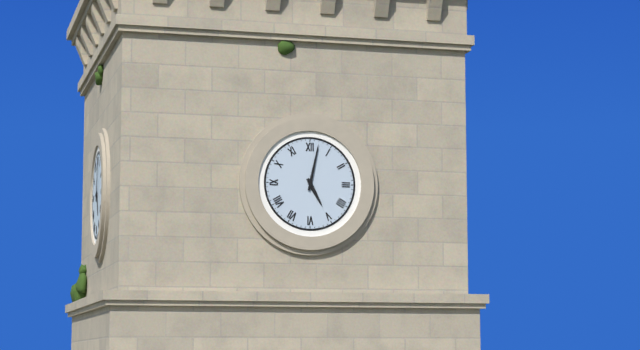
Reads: 5h02
